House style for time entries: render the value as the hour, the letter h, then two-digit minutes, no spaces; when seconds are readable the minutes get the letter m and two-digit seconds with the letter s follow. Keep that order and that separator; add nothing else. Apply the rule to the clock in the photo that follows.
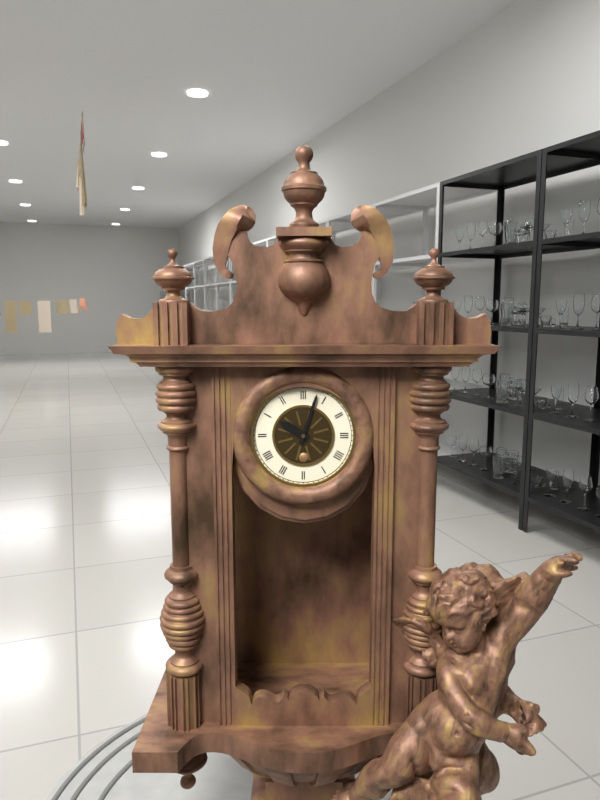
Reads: 10h03
